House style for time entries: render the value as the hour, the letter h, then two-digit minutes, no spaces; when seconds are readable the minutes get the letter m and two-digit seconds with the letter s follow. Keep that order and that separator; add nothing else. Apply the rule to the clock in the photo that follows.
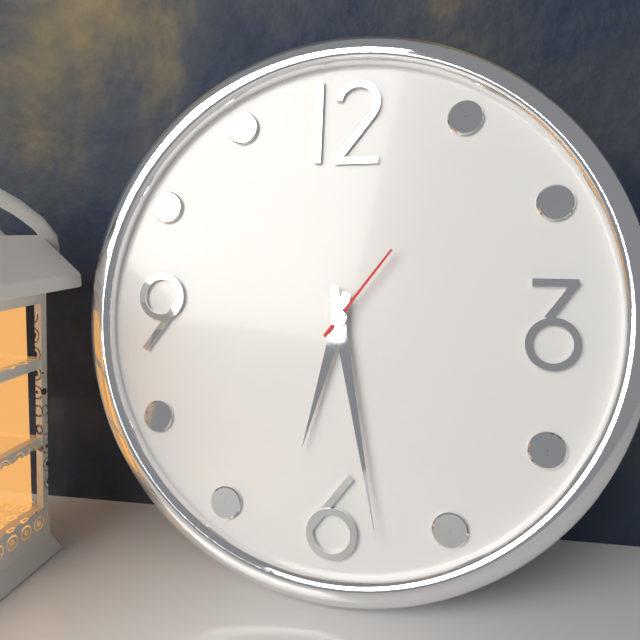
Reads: 6h28m06s
